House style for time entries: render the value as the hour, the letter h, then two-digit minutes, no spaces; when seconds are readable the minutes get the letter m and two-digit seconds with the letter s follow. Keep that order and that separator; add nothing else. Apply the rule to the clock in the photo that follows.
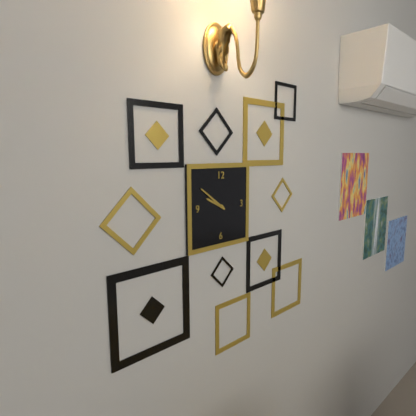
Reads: 9h51
